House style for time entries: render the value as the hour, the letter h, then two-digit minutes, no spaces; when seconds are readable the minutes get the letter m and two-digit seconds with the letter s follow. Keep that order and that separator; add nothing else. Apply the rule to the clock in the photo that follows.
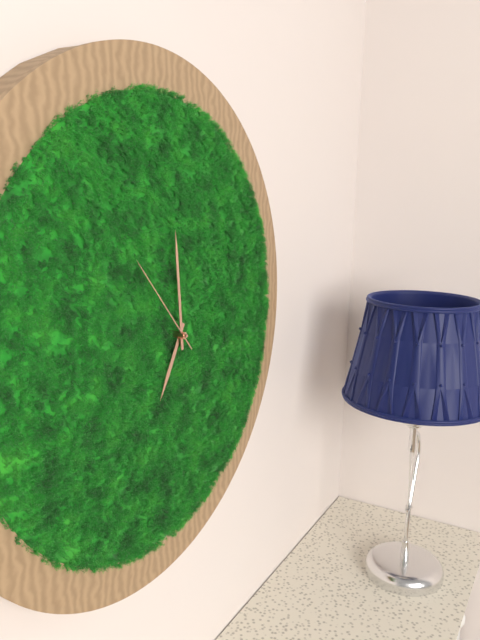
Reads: 6h59m53s
